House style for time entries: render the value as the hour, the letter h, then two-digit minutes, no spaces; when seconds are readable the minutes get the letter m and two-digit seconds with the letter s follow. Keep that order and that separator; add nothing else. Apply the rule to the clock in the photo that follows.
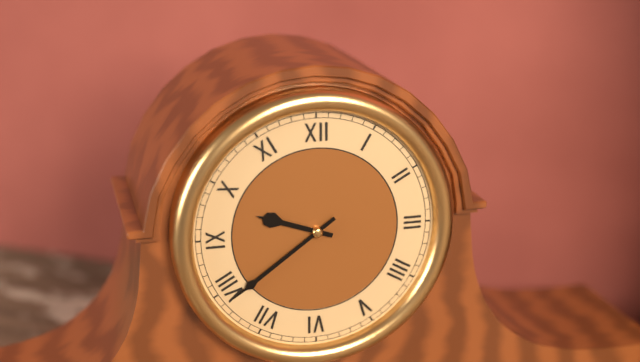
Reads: 9h39
